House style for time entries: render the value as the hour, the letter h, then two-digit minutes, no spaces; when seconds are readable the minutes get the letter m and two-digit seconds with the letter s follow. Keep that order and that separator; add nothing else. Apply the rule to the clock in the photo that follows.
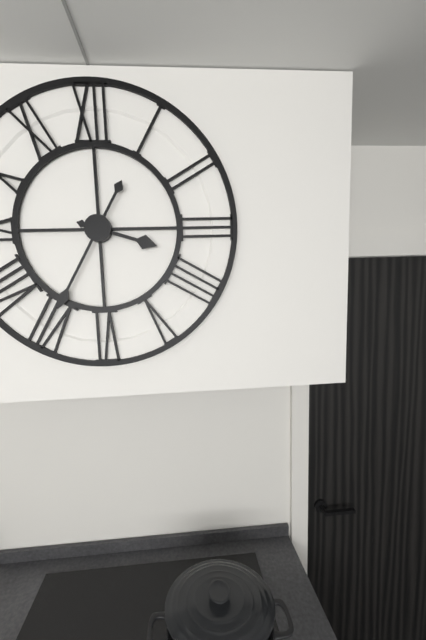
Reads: 3h35
